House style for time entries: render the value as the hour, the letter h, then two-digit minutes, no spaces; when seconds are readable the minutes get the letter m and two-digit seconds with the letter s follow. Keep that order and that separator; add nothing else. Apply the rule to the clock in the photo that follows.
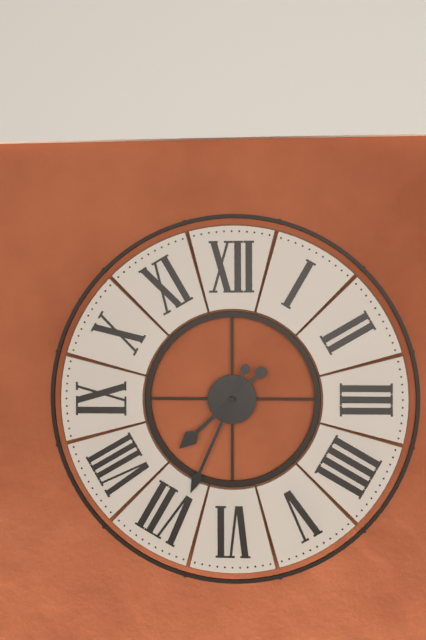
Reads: 7h34
